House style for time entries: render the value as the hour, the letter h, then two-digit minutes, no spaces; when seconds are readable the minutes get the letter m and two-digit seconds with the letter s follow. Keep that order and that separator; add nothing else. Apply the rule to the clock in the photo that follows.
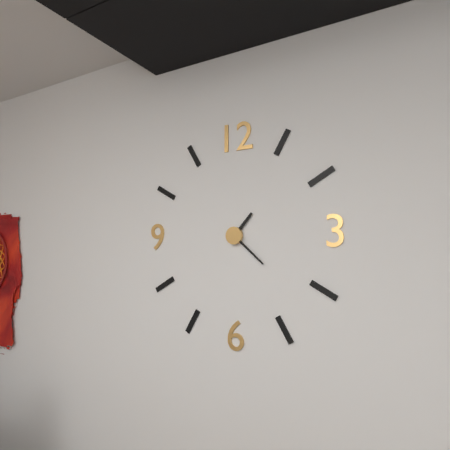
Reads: 1h22
